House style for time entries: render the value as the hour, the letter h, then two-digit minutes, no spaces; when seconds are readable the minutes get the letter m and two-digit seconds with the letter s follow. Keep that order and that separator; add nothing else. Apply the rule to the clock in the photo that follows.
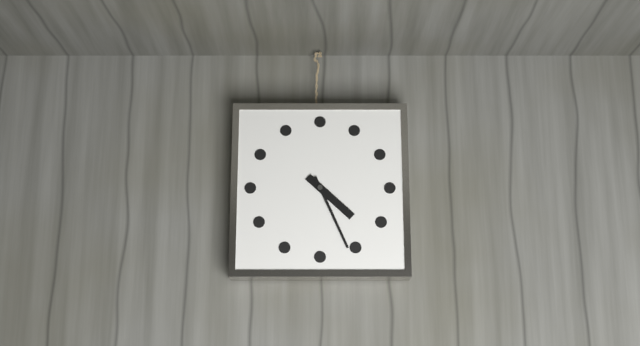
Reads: 4h26
